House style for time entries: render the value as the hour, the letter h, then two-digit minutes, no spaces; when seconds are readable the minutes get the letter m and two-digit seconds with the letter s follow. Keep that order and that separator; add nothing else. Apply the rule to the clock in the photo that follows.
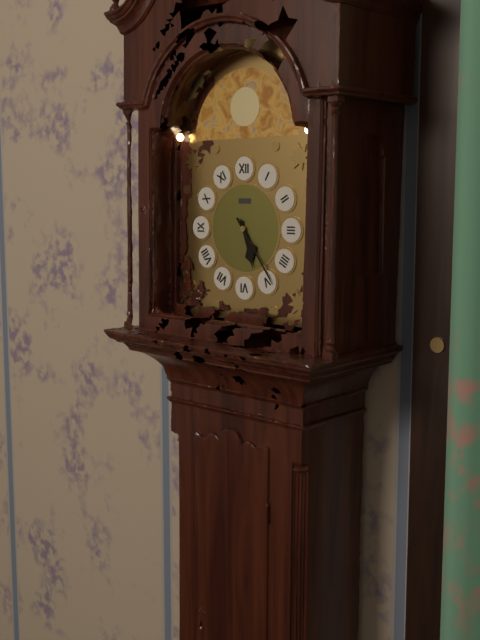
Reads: 5h24
